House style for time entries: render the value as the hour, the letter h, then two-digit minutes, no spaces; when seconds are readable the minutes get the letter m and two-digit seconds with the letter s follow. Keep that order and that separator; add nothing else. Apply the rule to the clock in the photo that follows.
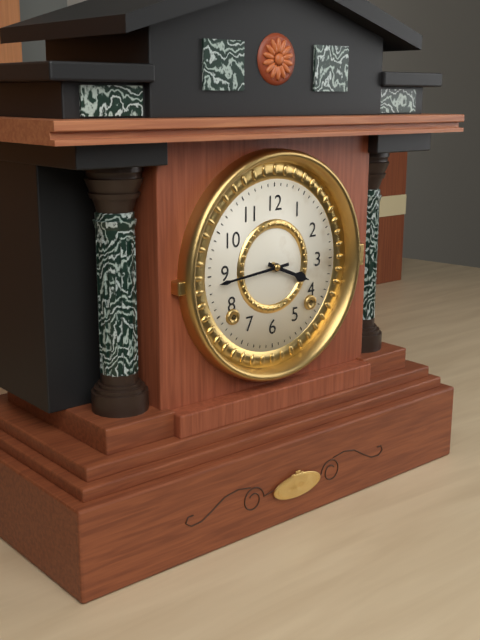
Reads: 3h44
